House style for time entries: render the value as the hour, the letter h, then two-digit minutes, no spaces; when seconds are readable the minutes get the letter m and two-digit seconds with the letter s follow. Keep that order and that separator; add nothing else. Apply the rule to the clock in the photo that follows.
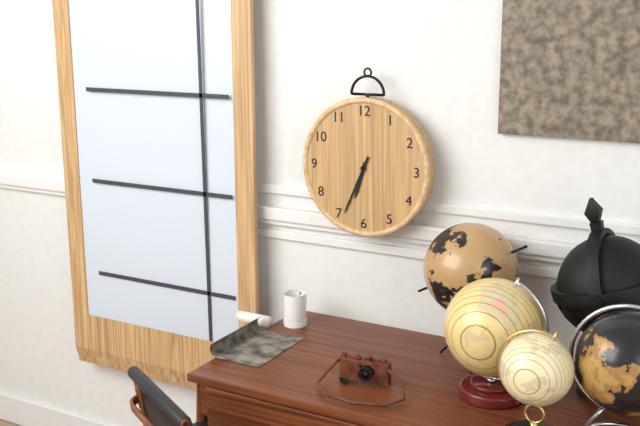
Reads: 6h34
